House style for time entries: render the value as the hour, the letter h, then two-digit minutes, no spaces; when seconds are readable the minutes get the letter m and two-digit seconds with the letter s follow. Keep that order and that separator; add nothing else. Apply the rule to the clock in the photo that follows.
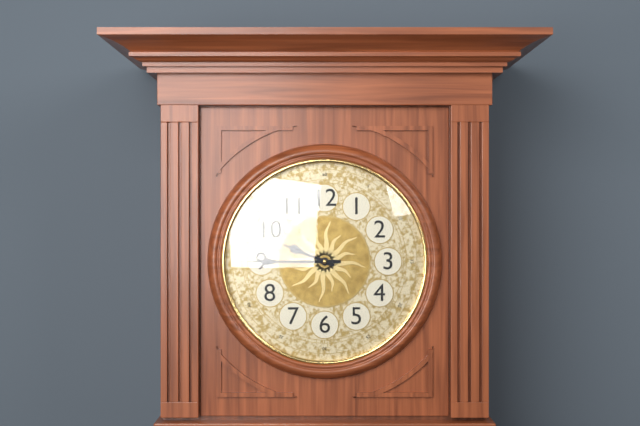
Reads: 9h45
